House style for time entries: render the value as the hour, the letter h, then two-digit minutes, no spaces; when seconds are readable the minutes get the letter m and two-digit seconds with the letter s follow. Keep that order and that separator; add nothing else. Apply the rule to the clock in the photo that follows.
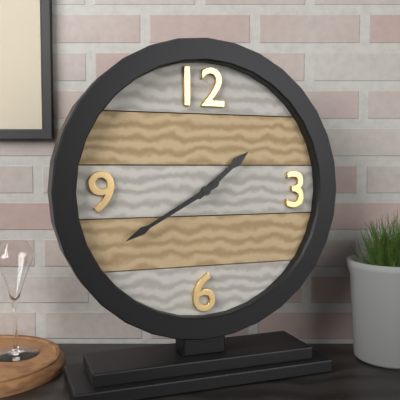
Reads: 1h40
